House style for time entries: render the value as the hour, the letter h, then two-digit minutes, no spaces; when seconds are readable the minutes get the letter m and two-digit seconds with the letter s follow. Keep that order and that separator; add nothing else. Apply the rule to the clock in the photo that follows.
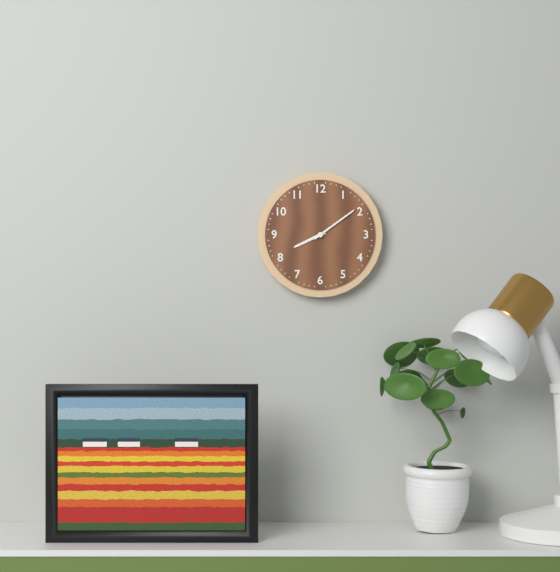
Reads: 8h09
